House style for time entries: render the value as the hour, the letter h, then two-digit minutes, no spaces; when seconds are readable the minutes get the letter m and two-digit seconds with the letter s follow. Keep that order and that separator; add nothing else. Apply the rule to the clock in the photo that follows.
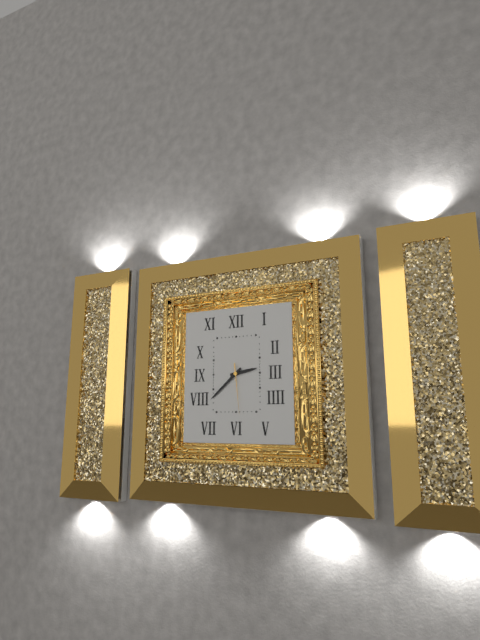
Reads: 2h38m29s
